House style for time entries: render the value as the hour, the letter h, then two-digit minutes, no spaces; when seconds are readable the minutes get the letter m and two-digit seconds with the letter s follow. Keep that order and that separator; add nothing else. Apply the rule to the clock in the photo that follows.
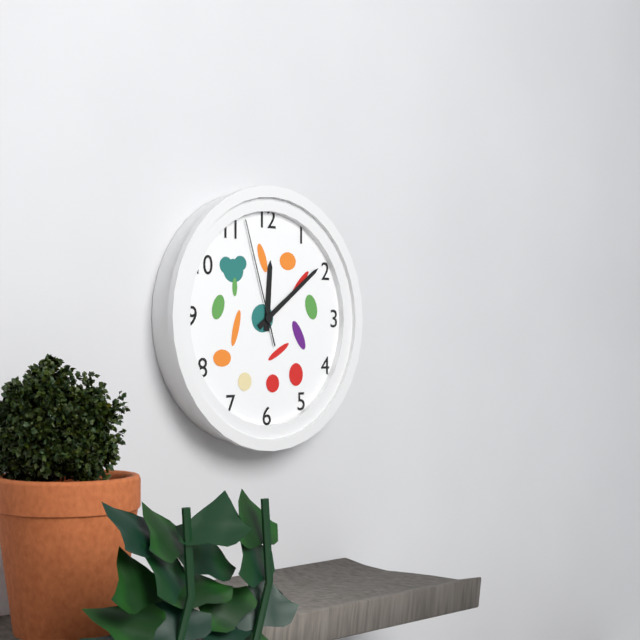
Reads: 12h09m57s
